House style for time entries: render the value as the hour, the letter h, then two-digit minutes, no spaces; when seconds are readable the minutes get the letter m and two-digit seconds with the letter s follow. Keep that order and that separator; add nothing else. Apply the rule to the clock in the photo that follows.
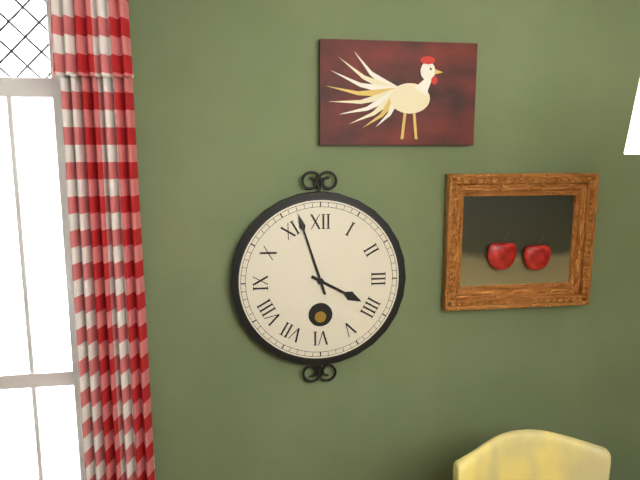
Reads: 3h57
